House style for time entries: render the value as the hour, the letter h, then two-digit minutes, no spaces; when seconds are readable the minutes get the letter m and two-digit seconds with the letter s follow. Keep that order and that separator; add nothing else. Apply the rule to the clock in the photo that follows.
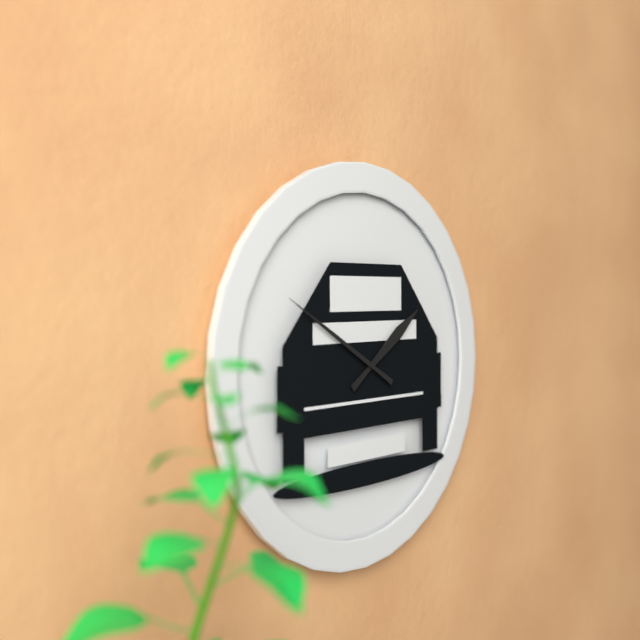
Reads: 1h50
